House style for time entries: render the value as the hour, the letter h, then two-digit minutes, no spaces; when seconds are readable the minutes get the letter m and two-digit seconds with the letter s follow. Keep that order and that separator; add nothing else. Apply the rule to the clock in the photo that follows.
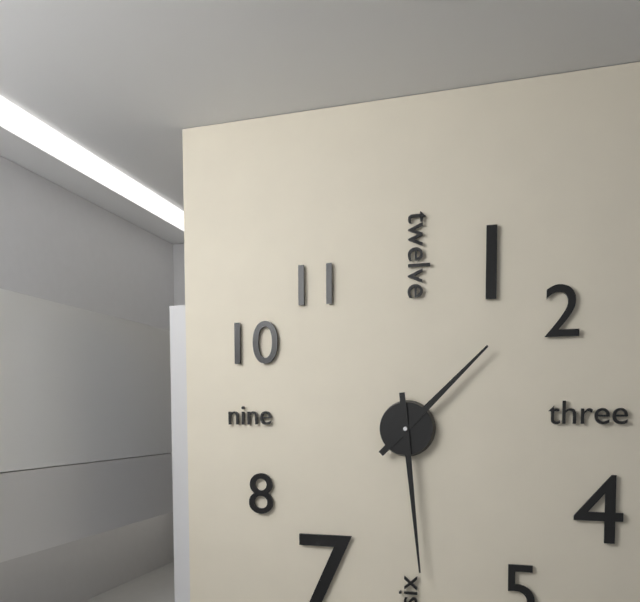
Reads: 1h29
